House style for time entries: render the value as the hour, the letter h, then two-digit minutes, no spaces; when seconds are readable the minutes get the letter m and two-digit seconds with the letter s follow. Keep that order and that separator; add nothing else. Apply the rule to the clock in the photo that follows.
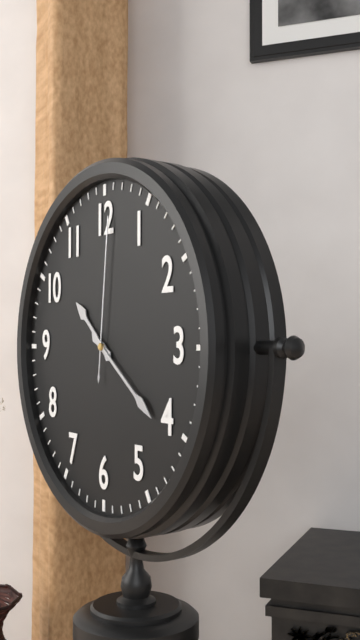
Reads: 10h21m01s
